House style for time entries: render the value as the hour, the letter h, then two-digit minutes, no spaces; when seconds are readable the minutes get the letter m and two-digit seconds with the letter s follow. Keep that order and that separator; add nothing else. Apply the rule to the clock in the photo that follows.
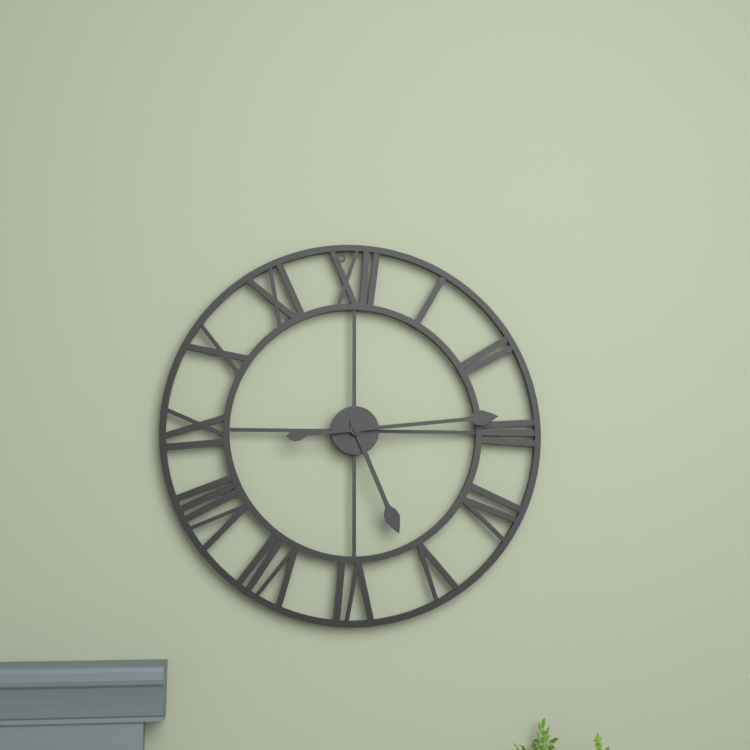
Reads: 5h14
